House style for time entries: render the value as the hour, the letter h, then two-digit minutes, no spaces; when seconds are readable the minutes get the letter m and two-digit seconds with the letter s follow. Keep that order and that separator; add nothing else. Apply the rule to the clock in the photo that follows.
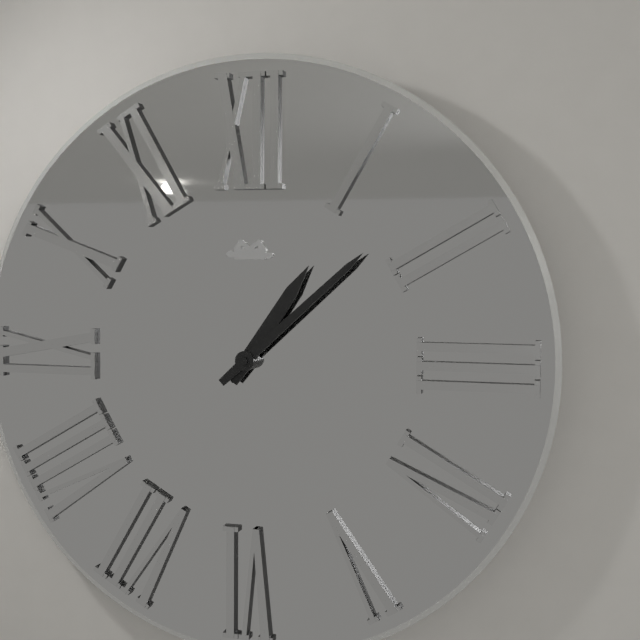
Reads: 1h08
